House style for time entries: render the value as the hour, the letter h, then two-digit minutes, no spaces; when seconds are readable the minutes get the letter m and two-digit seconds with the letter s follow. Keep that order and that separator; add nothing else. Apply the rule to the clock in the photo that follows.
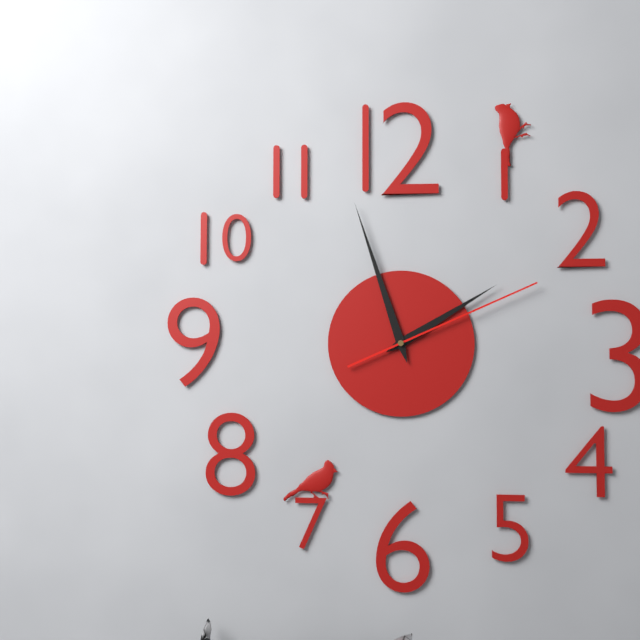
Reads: 1h57m11s
